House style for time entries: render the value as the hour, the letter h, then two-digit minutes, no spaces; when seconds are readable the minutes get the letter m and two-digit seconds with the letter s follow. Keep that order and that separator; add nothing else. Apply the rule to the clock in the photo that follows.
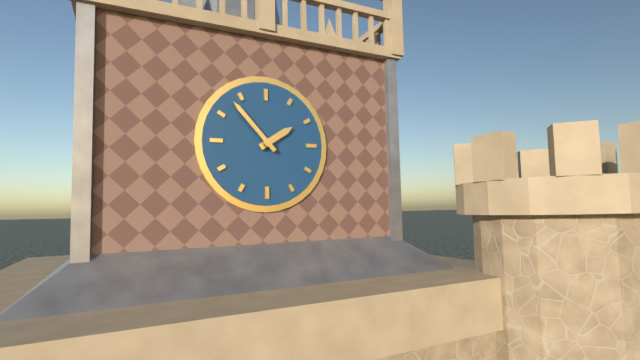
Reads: 1h53
